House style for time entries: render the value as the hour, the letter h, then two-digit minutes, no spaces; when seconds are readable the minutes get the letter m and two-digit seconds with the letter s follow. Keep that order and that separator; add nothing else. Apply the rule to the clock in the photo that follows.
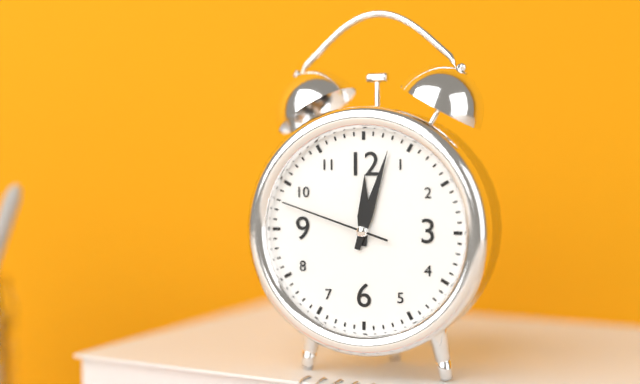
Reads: 12h03m48s
